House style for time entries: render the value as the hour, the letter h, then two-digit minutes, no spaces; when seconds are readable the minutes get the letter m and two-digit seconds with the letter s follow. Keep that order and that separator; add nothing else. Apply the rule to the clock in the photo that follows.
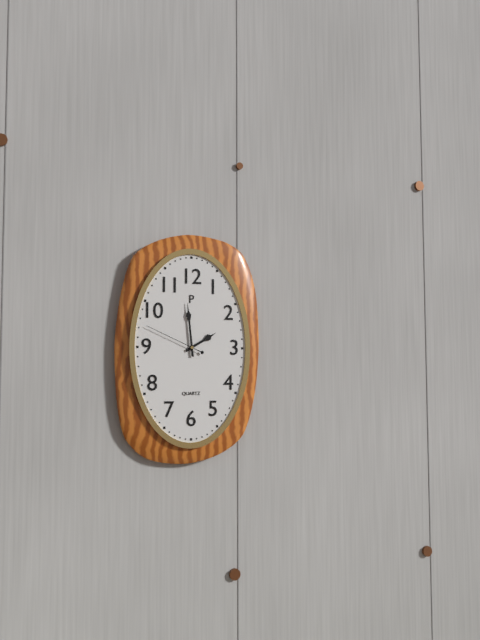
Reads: 1h59m49s
